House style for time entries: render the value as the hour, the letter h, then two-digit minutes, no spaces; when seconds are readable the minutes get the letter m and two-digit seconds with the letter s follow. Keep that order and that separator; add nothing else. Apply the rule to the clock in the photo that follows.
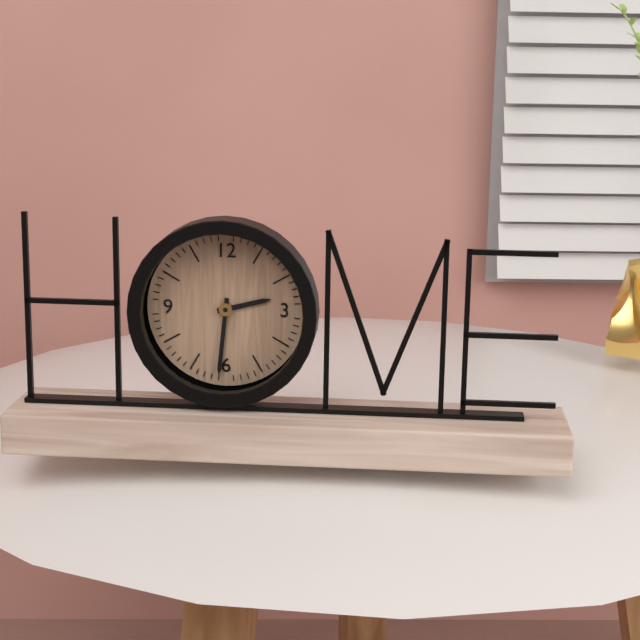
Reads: 2h31
